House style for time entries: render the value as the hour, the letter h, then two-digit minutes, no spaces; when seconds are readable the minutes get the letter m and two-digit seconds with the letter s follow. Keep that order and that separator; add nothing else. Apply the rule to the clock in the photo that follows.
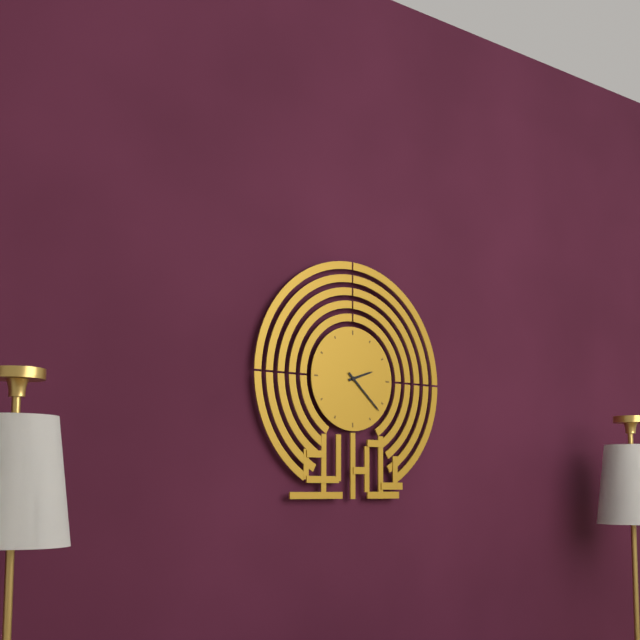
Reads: 2h22
